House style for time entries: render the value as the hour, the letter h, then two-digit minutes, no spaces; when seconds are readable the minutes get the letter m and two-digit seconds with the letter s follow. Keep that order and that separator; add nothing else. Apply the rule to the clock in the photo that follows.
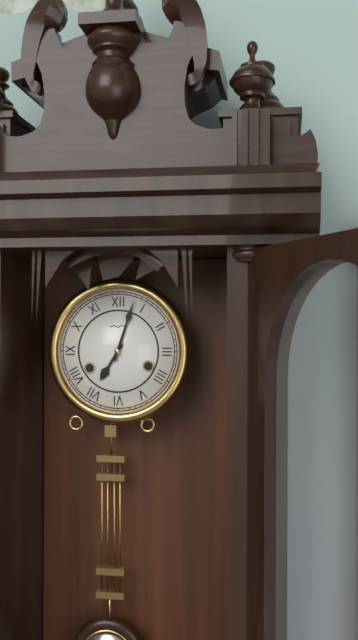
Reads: 7h03
